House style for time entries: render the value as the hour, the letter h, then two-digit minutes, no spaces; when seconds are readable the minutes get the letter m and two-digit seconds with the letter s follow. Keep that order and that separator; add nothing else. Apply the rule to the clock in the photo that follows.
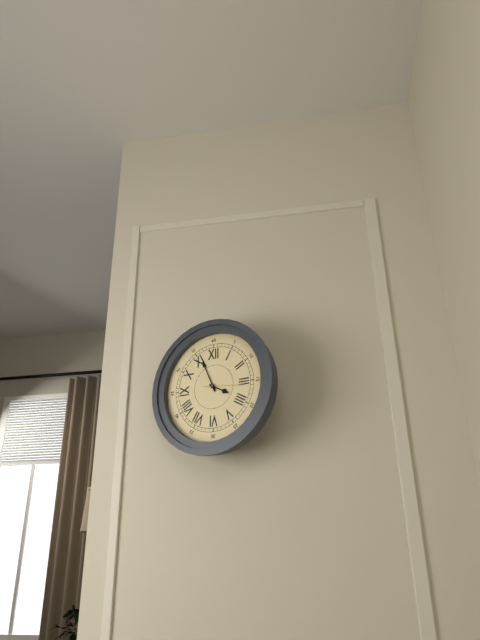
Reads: 3h56
